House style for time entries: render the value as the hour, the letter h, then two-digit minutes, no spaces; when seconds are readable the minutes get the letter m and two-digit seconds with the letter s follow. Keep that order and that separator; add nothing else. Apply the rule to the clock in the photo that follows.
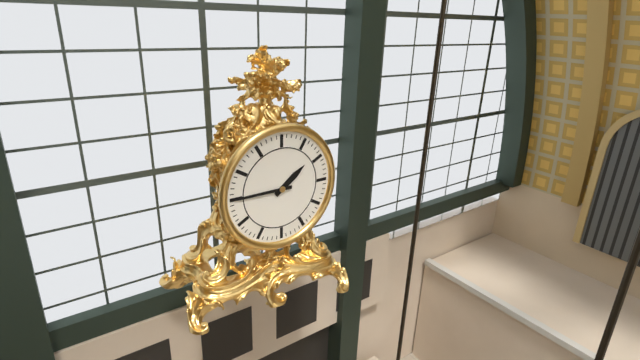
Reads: 1h45
